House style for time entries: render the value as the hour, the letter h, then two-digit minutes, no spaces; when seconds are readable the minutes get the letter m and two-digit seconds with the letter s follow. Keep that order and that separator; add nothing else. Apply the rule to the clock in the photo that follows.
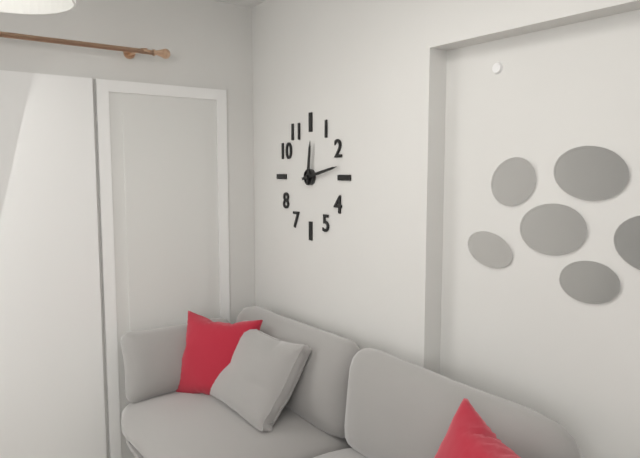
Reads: 12h13
